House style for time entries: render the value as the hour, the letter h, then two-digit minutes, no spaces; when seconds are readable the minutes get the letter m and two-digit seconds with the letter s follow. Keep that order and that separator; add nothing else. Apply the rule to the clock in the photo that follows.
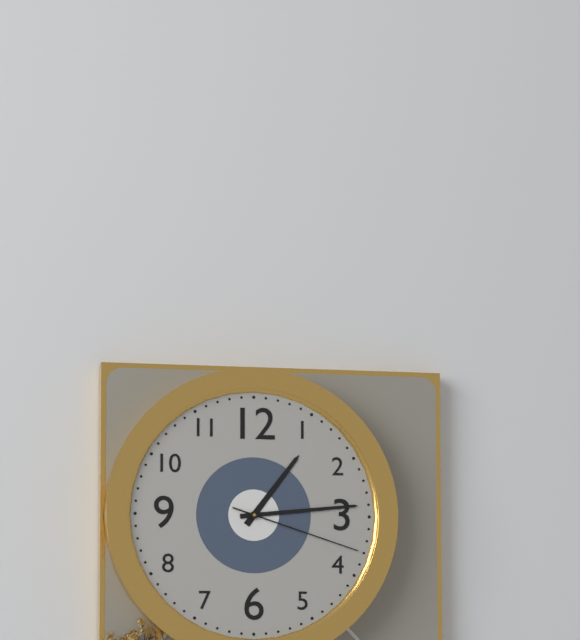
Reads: 1h14m18s
